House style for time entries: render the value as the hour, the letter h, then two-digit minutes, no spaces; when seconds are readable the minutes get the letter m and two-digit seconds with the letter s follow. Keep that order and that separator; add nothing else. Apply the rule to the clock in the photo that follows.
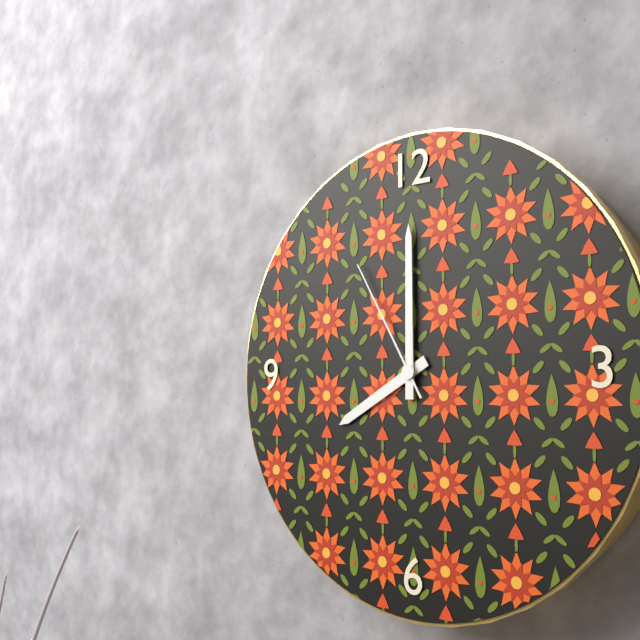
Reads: 8h00m55s
